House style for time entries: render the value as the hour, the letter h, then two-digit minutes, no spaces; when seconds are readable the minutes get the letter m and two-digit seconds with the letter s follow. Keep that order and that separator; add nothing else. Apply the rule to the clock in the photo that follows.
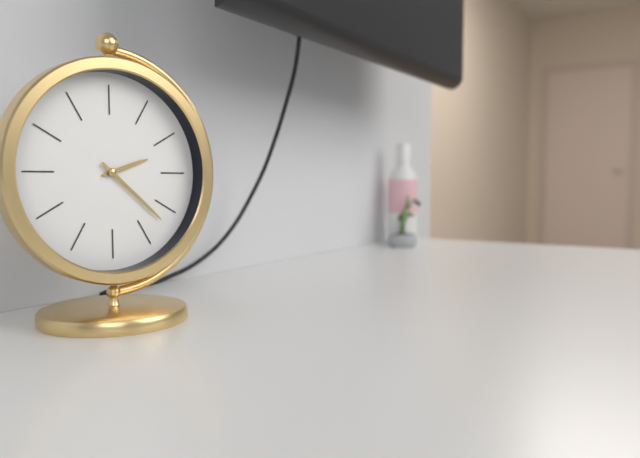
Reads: 2h22
